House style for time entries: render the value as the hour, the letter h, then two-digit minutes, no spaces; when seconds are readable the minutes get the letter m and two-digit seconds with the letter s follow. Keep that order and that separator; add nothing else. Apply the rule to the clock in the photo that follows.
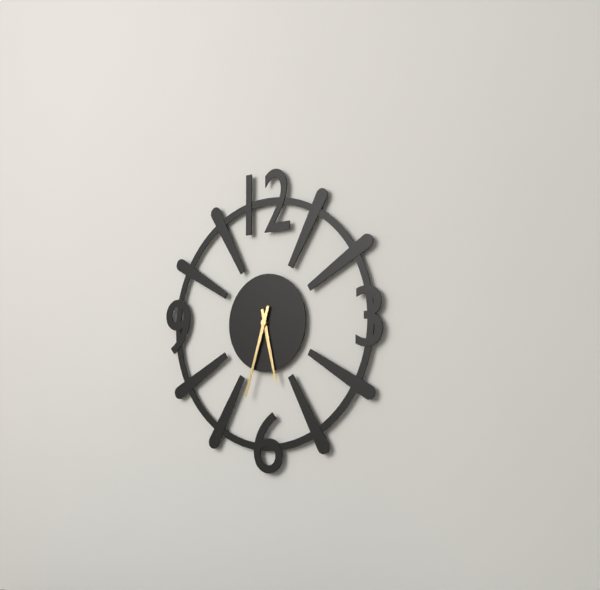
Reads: 5h33
